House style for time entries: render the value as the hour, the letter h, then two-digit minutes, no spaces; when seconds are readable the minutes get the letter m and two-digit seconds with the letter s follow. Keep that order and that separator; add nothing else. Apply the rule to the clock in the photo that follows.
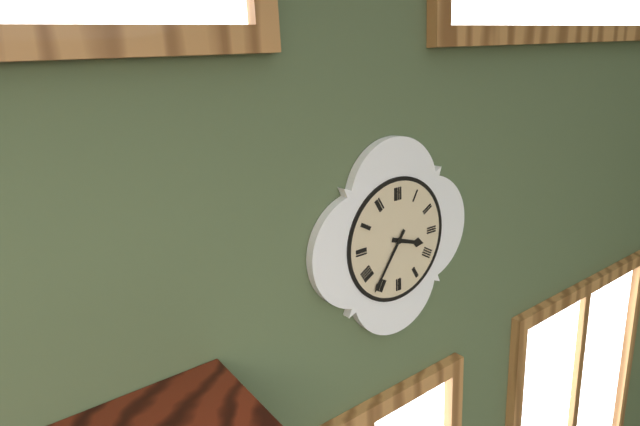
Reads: 3h36
